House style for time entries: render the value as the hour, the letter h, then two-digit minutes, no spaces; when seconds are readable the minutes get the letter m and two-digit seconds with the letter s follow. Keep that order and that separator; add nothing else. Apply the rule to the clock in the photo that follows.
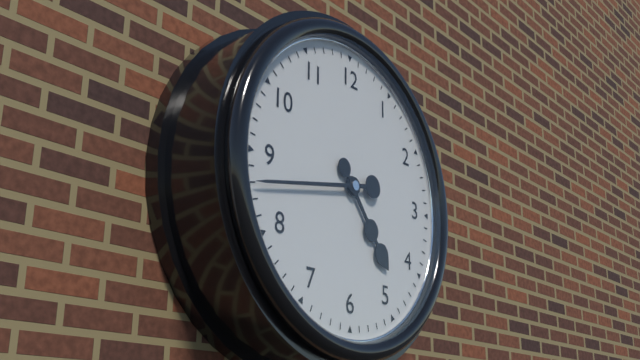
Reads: 4h43
